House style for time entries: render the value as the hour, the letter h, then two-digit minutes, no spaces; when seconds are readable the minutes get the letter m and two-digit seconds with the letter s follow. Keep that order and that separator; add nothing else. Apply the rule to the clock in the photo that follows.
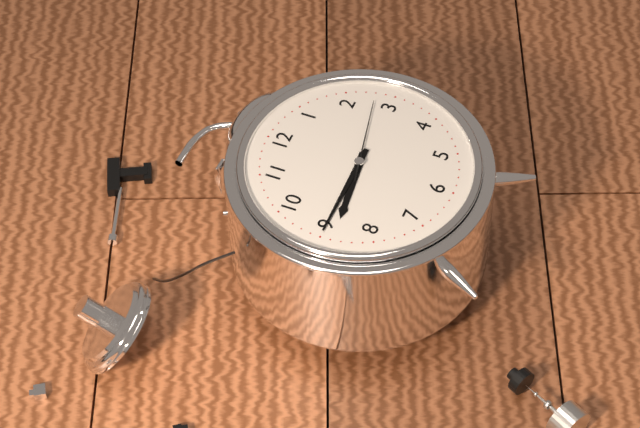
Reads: 8h45m13s
